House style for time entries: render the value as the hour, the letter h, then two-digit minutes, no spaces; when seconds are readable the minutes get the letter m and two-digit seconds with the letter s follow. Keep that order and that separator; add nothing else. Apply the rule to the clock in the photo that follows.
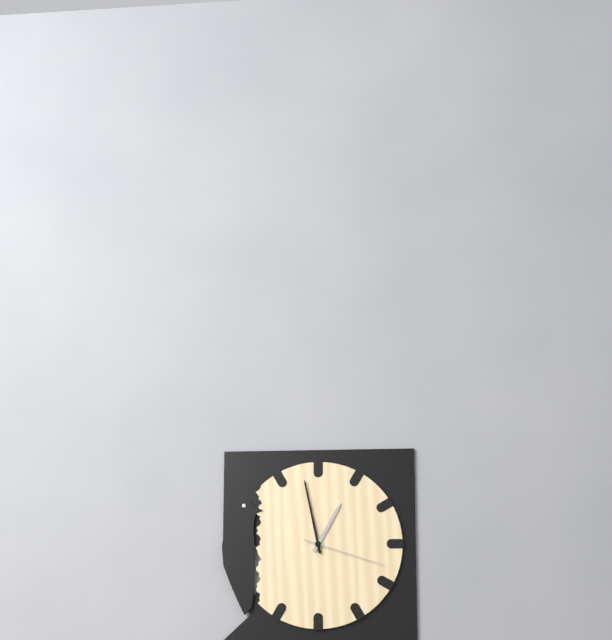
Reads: 12h58m18s
